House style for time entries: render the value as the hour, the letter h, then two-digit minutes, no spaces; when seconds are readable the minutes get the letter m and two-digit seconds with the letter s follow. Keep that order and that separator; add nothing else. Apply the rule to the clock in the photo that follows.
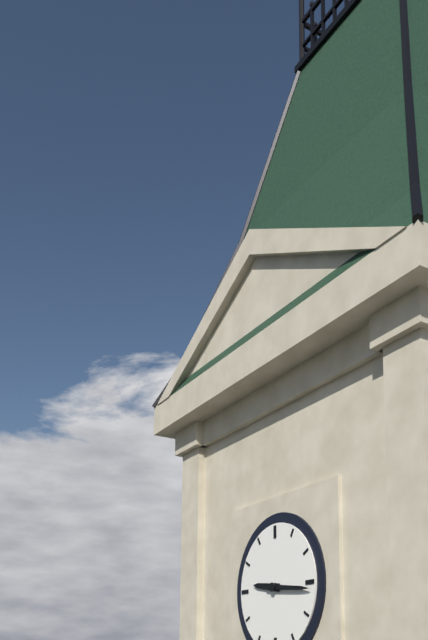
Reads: 9h16
